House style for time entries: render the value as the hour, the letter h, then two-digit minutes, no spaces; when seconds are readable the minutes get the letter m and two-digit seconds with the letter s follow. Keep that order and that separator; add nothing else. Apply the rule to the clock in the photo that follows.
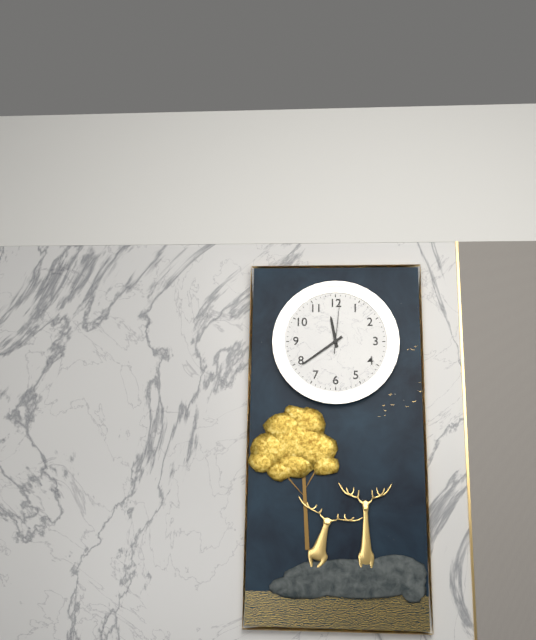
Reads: 11h39m01s
